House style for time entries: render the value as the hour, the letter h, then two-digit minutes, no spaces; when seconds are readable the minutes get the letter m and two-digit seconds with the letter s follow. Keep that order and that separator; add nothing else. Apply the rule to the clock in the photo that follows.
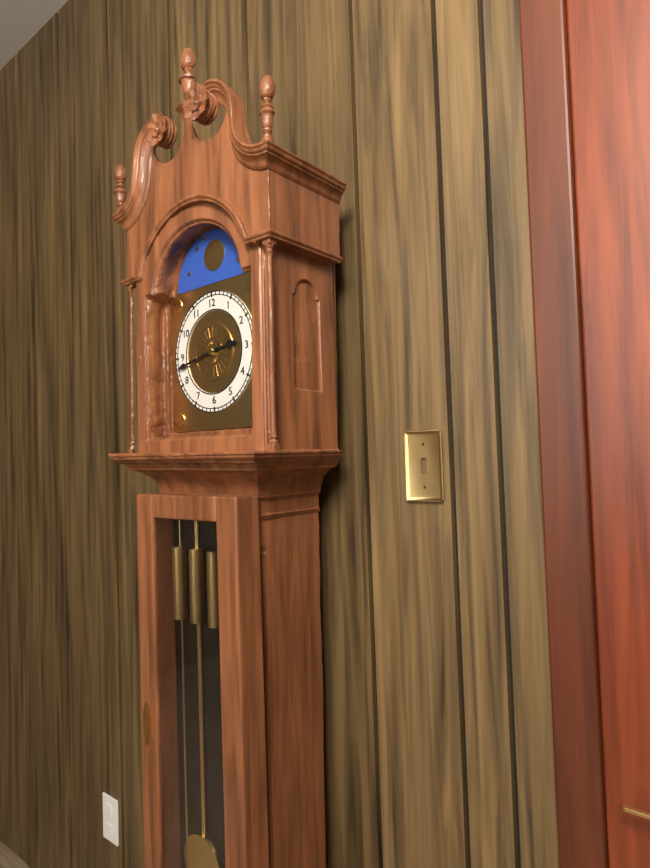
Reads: 2h43
